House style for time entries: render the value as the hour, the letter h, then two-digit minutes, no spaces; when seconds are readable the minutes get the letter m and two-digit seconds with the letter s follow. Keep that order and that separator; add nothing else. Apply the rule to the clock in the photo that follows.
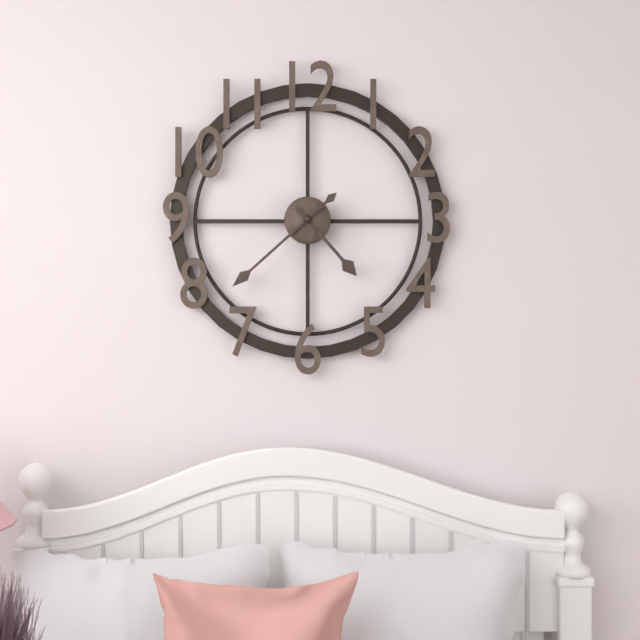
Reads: 4h38
